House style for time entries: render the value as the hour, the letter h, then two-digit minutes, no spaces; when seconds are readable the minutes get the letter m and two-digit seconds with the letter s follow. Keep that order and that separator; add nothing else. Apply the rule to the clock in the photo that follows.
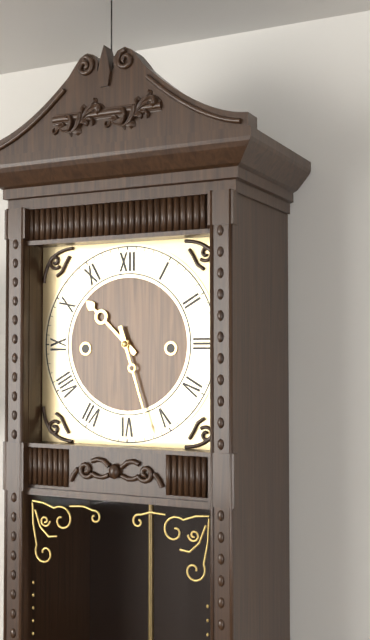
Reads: 10h27
